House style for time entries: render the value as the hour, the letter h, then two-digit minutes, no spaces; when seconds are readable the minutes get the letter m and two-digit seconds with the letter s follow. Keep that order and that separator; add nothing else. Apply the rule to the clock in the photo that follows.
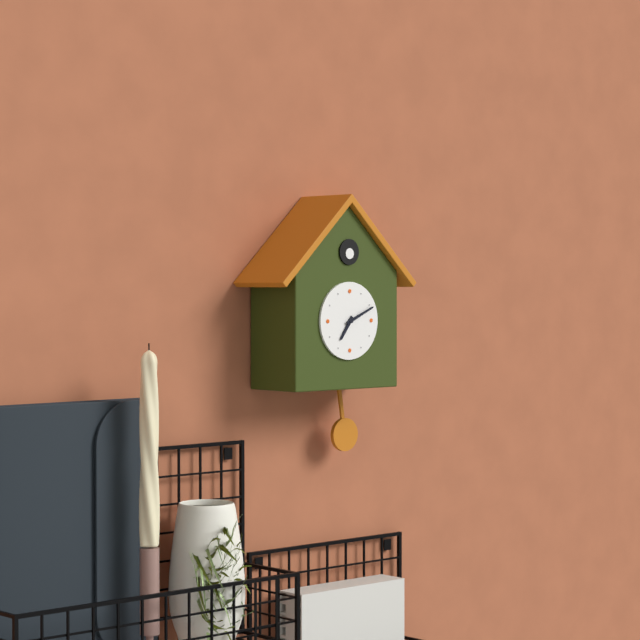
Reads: 7h11
